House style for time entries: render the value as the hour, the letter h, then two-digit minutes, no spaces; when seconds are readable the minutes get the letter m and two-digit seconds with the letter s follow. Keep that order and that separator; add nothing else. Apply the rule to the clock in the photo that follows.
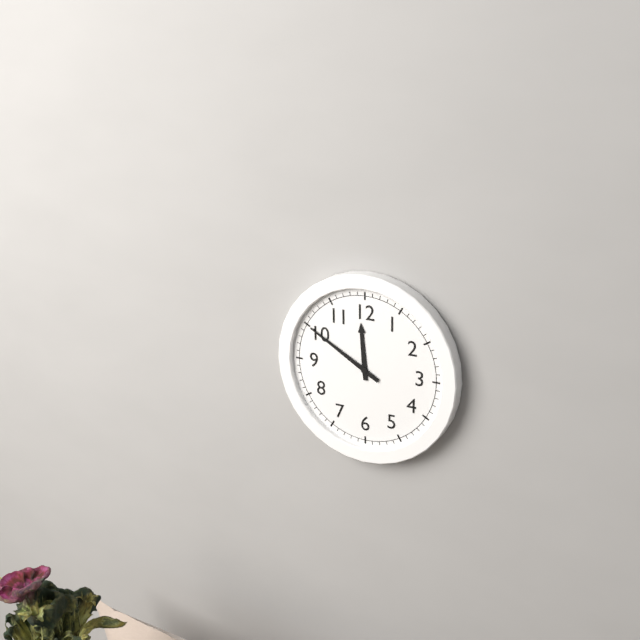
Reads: 11h50
